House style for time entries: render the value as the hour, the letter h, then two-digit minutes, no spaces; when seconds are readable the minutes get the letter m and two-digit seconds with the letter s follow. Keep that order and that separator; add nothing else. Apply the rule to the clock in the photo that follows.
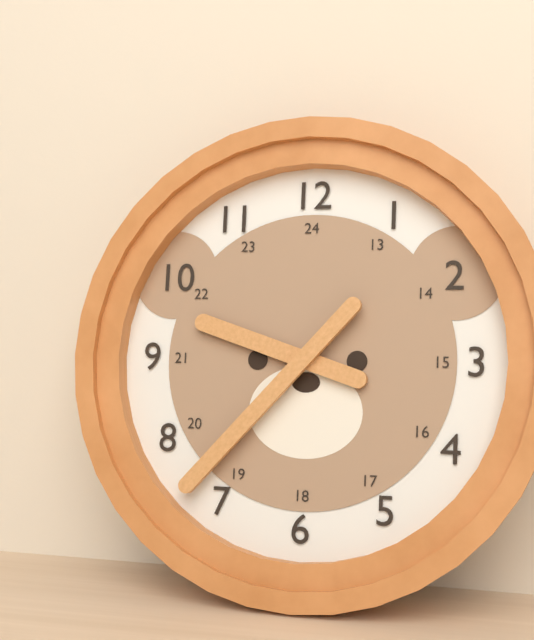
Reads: 9h37
